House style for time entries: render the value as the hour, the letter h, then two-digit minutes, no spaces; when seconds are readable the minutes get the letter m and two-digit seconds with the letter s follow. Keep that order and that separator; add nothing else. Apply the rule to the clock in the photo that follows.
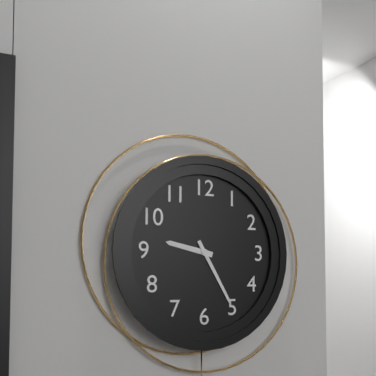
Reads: 9h25
